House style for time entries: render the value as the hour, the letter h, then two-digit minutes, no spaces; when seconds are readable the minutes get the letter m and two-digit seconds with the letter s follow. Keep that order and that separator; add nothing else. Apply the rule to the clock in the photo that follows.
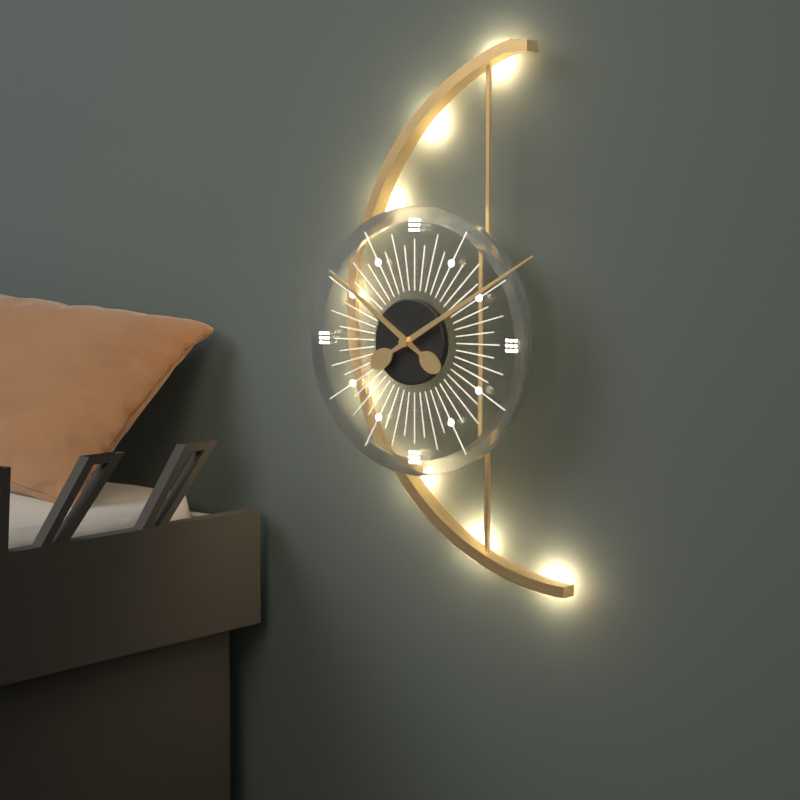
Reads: 10h10
